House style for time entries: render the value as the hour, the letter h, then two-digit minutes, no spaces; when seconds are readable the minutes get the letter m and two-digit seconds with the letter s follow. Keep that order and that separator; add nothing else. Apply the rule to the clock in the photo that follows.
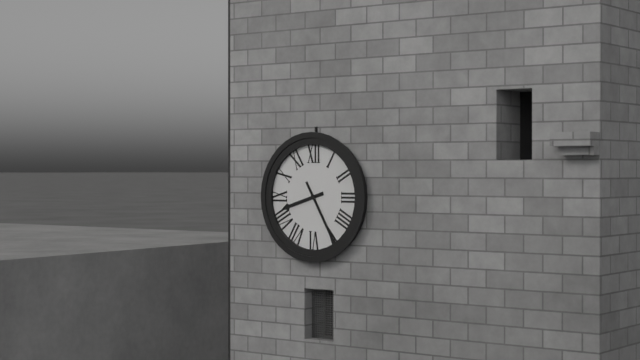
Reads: 8h25
